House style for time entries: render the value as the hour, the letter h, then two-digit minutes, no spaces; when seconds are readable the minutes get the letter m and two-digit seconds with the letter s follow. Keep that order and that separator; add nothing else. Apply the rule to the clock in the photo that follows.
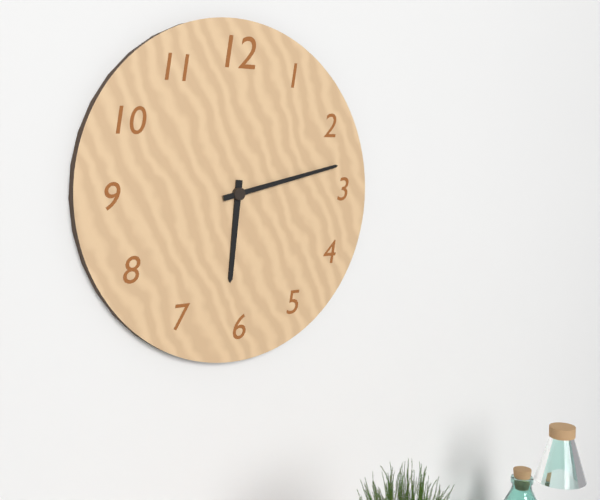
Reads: 6h13
